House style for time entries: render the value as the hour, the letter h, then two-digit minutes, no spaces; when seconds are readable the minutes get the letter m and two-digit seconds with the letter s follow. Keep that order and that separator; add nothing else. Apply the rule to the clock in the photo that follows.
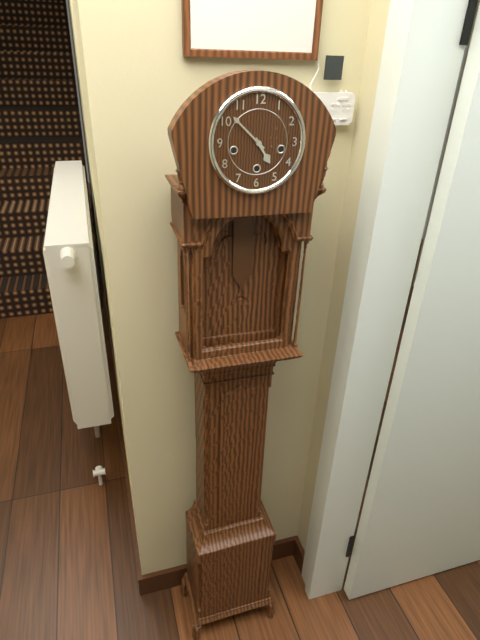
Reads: 4h52
